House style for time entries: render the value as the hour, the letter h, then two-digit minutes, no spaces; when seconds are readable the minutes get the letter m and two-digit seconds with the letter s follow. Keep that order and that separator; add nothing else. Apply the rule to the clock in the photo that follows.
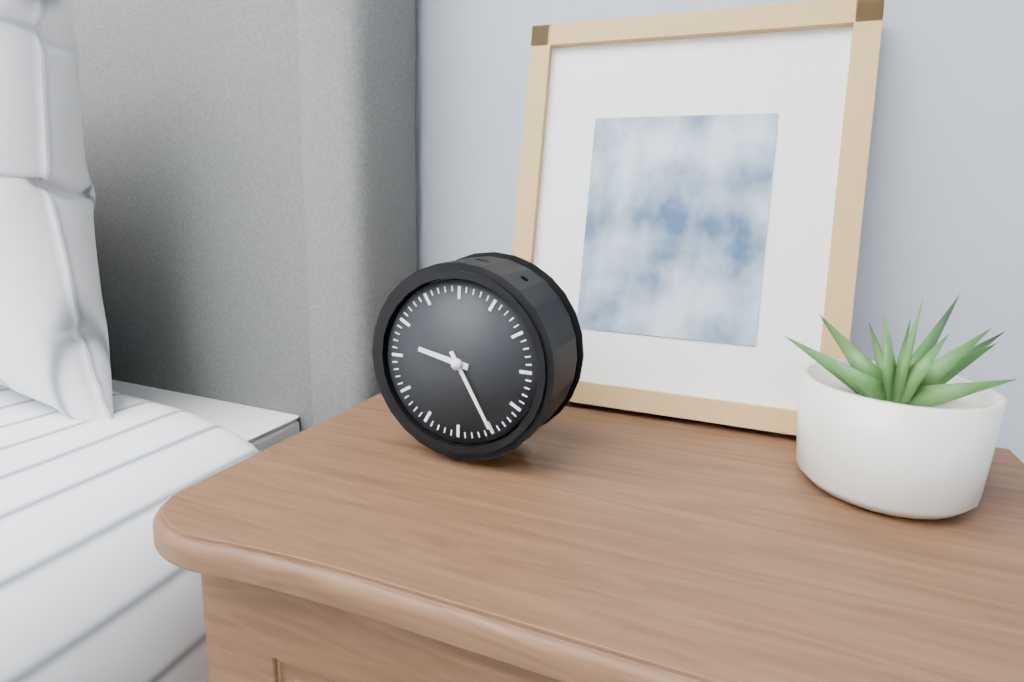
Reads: 9h25
